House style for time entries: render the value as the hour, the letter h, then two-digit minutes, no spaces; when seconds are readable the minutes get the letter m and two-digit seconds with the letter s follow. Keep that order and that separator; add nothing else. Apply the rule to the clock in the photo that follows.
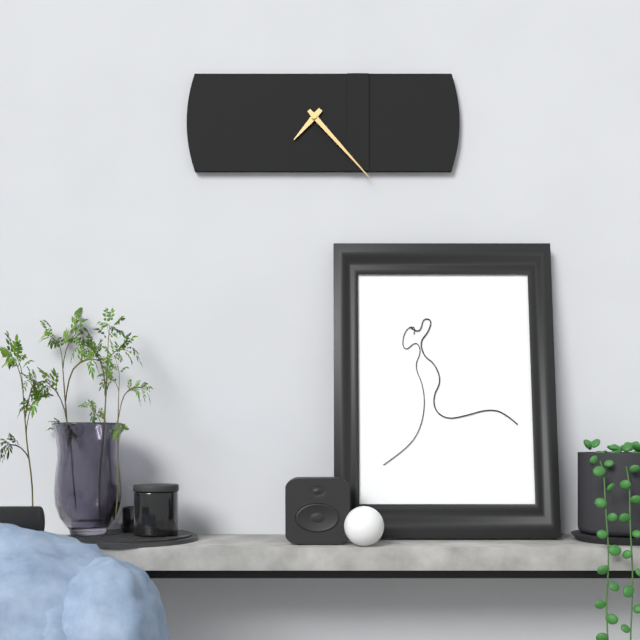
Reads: 7h23
